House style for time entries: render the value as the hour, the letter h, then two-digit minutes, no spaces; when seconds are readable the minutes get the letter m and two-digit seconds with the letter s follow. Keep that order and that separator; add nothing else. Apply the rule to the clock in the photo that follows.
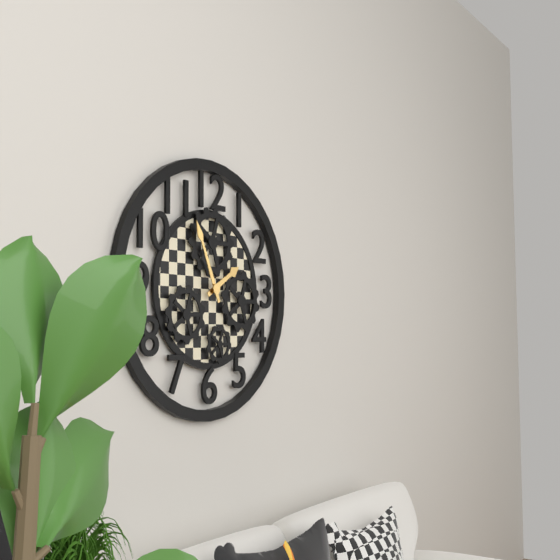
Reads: 1h56
